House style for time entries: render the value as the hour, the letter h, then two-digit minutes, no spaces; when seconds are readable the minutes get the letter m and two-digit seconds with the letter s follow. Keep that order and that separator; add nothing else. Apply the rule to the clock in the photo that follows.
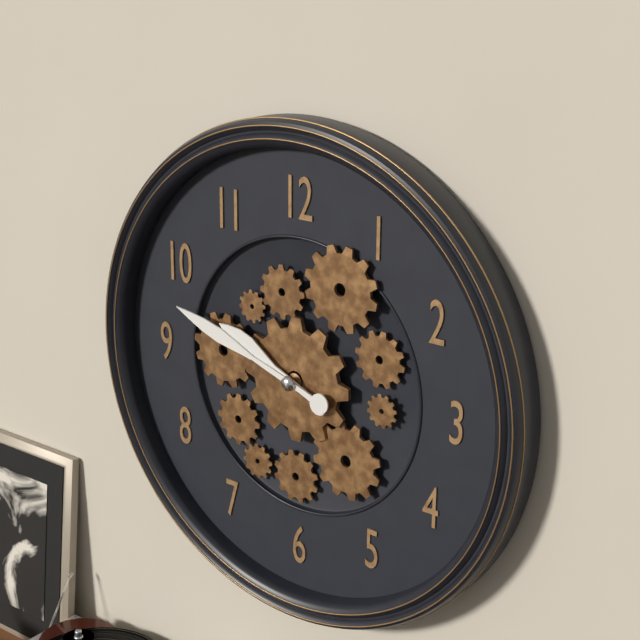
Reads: 9h48
